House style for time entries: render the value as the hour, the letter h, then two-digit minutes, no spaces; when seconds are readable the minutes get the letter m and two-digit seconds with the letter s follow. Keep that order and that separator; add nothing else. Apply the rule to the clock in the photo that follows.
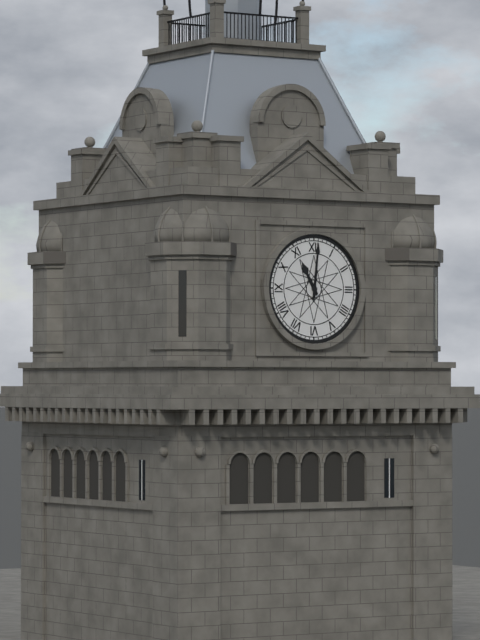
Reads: 11h01
